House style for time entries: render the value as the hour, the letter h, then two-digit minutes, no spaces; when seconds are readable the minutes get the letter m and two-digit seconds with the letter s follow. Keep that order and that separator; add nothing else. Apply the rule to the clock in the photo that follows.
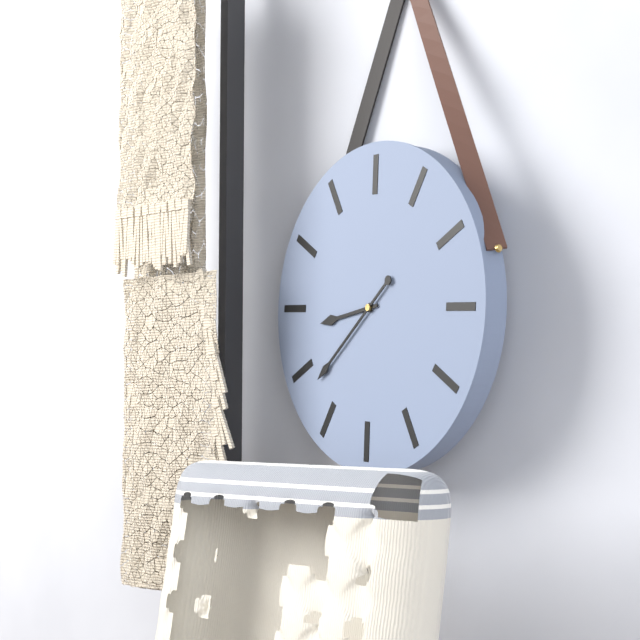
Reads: 8h38
